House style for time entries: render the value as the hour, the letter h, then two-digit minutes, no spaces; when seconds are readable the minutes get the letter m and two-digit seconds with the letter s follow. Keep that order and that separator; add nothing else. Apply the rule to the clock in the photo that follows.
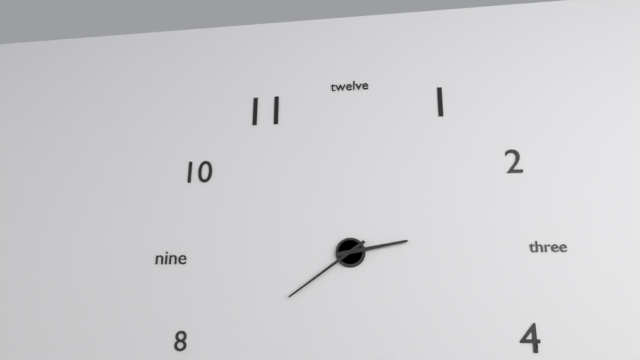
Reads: 2h39
